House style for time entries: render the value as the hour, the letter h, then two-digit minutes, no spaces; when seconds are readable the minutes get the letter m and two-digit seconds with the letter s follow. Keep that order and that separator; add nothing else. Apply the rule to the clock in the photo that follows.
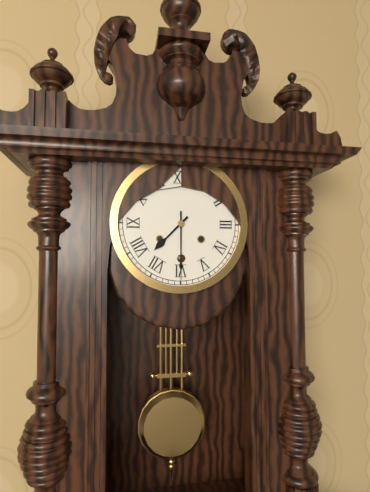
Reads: 7h30
